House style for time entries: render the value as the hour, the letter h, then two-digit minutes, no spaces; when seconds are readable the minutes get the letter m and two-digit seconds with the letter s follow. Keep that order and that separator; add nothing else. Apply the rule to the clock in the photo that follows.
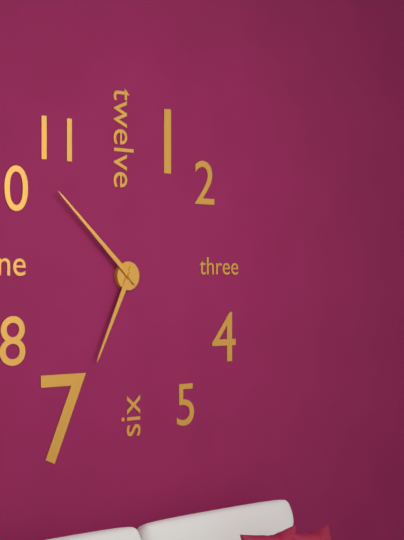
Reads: 6h52
